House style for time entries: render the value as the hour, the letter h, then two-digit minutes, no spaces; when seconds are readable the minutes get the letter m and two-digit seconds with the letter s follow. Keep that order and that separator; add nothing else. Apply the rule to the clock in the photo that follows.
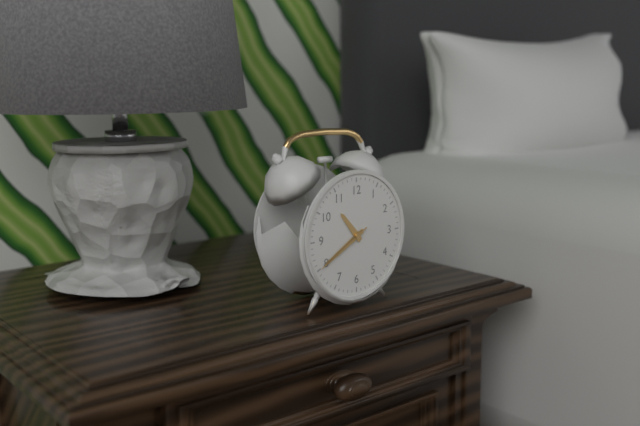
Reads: 10h40m40s
